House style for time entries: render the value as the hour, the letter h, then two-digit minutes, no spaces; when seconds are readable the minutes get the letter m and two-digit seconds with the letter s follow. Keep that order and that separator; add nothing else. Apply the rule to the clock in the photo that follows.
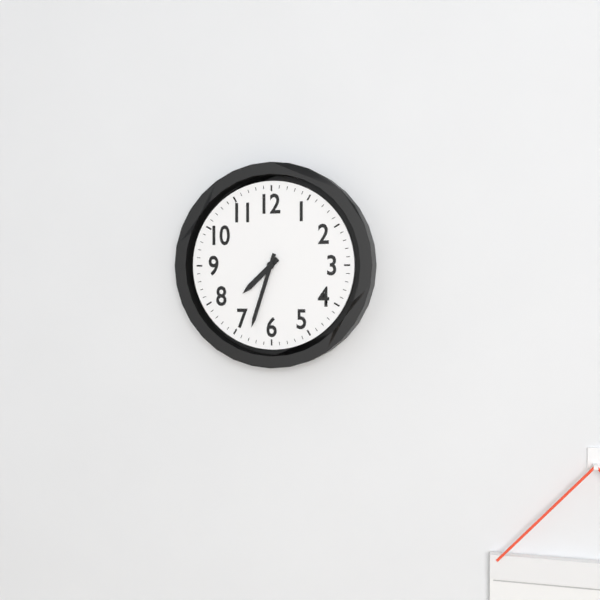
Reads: 7h33
